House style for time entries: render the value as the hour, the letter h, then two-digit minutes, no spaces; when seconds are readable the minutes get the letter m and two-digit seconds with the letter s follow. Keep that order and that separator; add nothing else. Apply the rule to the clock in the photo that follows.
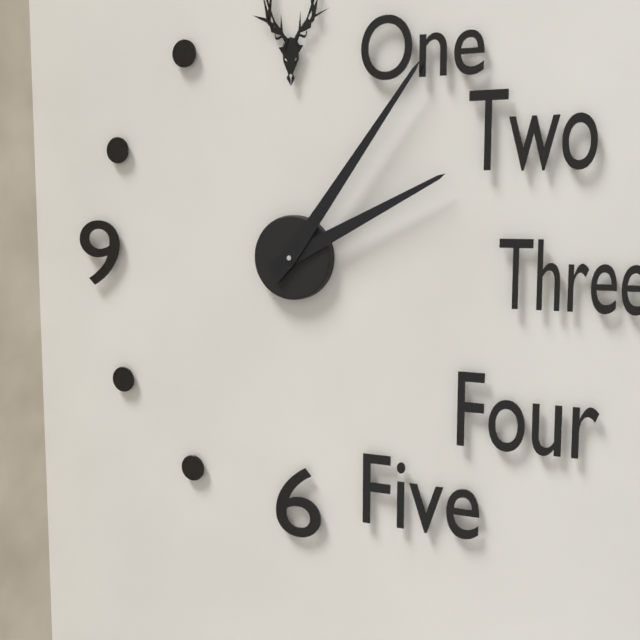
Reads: 2h06
